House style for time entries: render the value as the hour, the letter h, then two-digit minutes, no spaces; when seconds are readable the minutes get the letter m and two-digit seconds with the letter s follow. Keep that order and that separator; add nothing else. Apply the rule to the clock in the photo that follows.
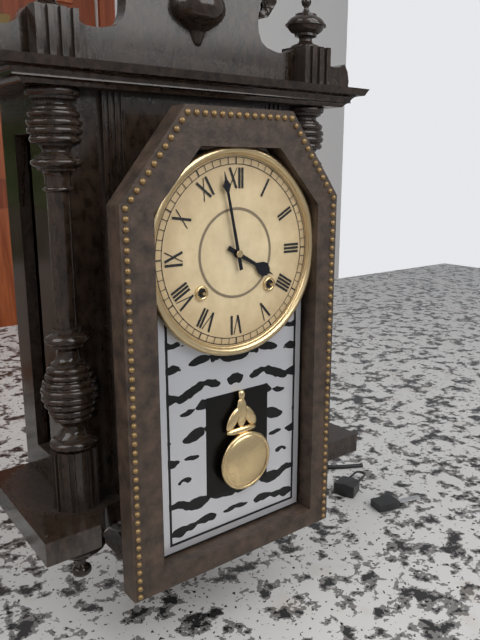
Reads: 3h58
